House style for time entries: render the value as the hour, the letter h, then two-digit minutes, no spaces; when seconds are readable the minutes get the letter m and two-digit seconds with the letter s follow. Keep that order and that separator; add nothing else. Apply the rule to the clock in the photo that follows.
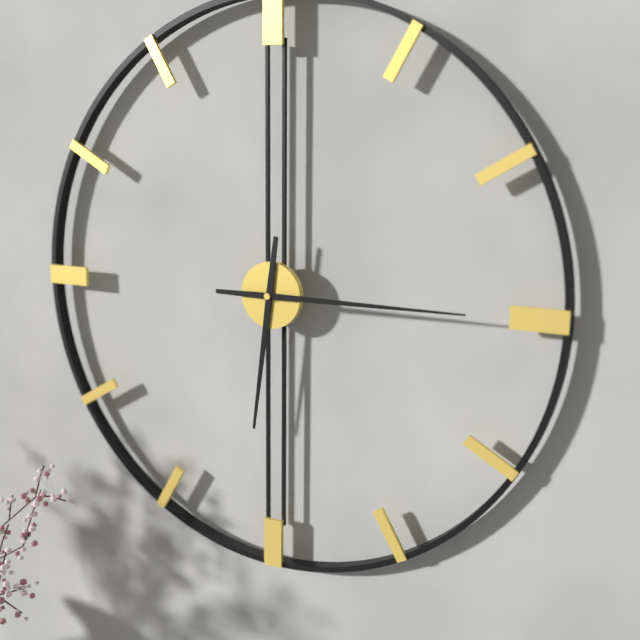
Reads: 6h15
